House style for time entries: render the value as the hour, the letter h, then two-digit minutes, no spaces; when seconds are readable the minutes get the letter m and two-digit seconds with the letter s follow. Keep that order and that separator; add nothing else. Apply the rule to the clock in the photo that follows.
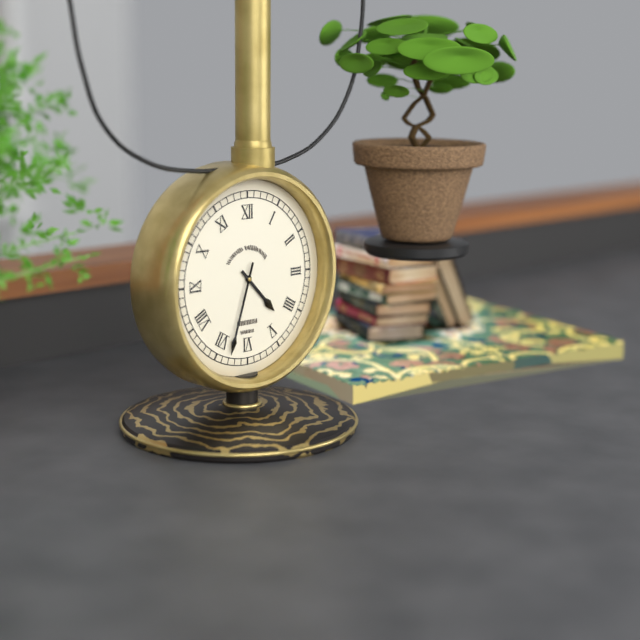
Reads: 4h33
